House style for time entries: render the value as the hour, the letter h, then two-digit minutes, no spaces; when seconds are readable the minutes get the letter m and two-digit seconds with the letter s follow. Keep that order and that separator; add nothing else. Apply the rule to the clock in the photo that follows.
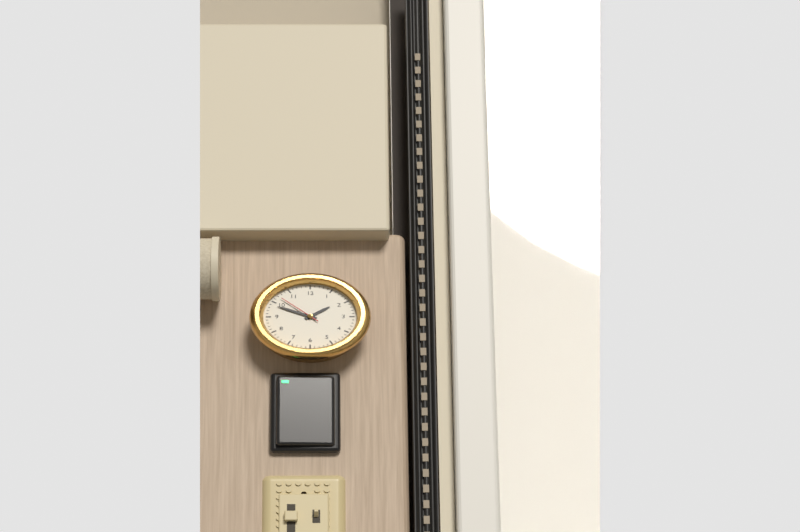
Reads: 1h49
